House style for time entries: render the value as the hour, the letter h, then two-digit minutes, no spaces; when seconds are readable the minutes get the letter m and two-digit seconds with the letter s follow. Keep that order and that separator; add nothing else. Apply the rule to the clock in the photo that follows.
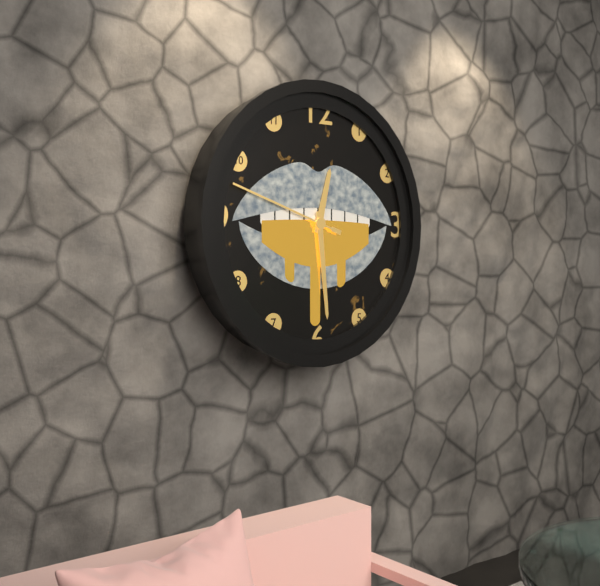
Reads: 12h29m48s
